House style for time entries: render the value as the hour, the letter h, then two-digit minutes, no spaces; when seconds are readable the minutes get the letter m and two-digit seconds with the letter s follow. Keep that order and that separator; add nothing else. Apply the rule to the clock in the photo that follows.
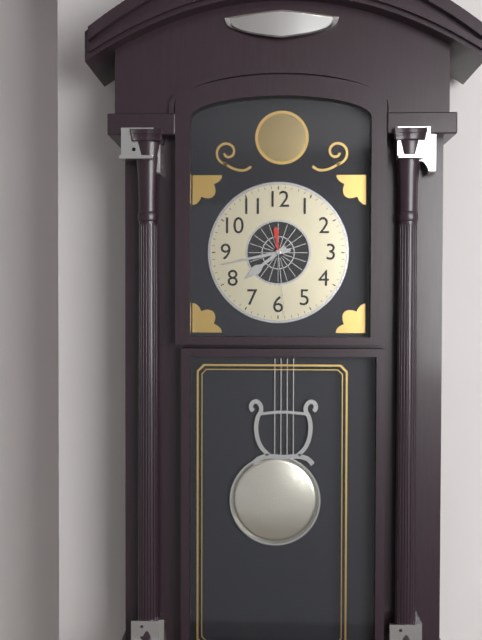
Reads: 7h43m29s
